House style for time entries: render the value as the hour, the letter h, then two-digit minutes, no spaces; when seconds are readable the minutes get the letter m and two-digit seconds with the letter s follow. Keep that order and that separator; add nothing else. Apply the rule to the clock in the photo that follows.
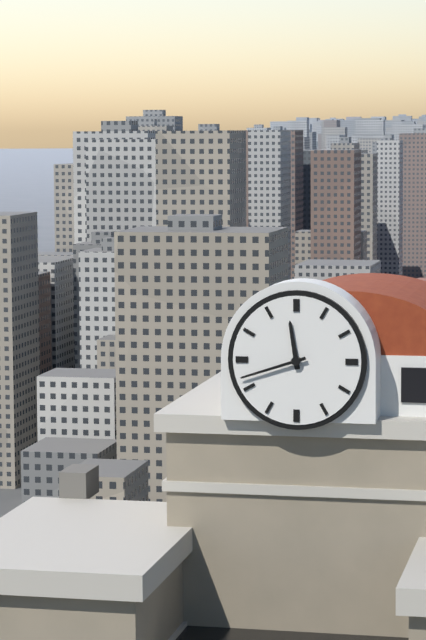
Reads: 11h42
